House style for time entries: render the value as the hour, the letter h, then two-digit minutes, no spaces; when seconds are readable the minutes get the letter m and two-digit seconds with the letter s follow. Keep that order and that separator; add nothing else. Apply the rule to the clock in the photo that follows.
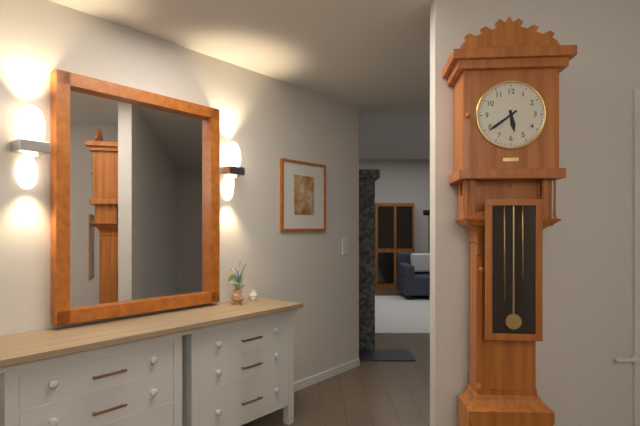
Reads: 5h39
